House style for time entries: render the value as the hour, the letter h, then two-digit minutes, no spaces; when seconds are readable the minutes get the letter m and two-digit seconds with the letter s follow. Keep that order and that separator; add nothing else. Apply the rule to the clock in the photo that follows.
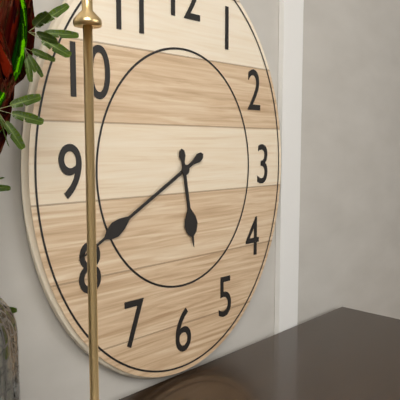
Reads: 5h40
